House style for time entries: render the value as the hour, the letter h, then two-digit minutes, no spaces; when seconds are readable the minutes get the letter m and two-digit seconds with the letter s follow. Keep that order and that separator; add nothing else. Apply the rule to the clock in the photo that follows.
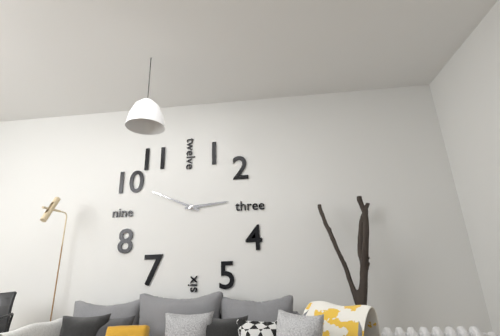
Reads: 2h49
